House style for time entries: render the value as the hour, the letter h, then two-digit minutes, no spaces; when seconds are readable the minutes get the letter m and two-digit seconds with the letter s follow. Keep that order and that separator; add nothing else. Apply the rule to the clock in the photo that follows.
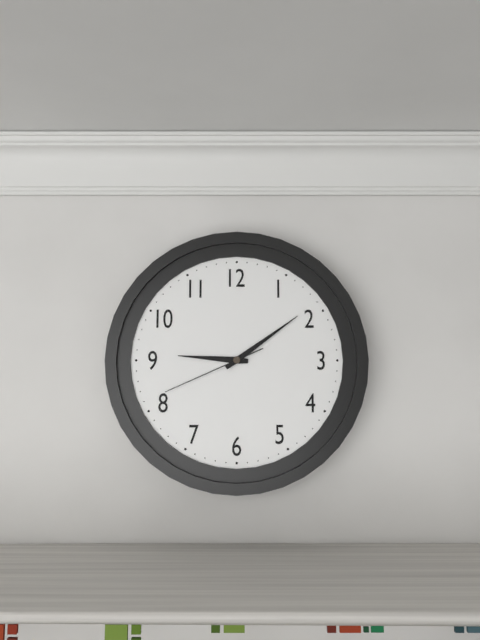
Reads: 9h09m41s
